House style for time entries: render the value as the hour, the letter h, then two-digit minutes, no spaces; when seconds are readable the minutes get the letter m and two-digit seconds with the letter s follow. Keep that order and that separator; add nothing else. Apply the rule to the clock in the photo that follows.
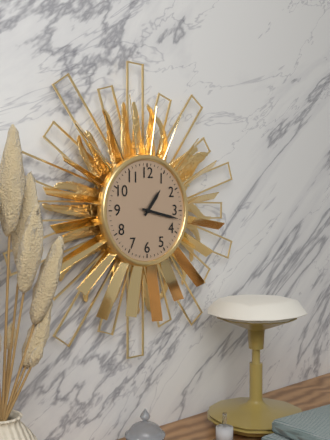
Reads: 1h17
